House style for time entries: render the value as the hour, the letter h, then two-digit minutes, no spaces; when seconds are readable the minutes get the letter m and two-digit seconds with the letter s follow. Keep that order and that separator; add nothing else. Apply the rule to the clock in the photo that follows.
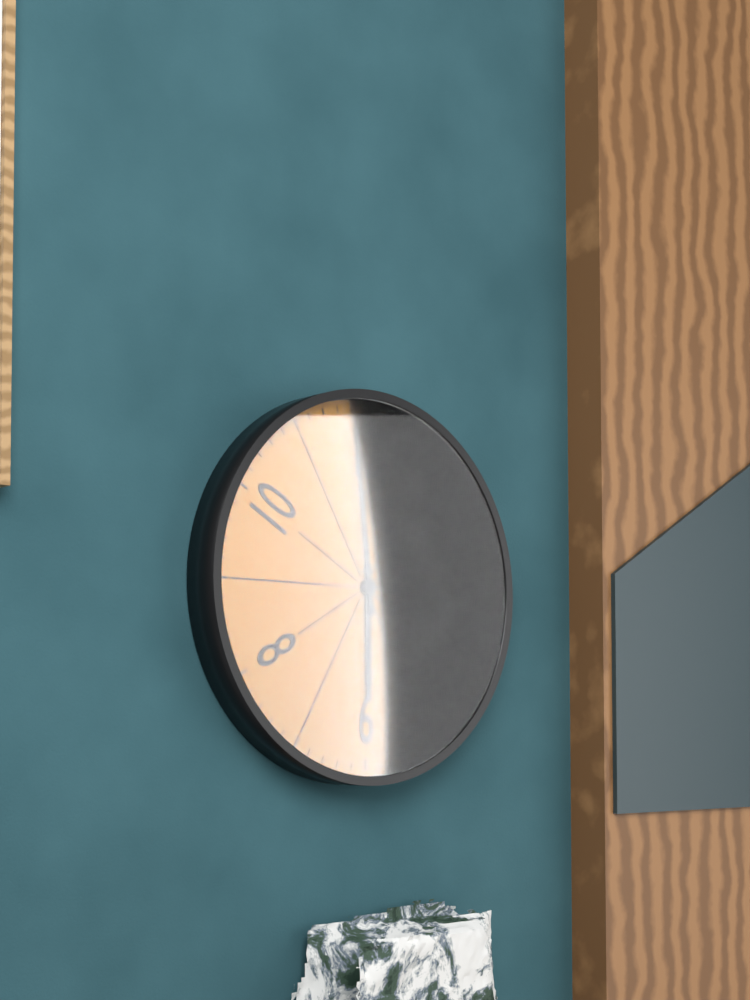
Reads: 5h59
